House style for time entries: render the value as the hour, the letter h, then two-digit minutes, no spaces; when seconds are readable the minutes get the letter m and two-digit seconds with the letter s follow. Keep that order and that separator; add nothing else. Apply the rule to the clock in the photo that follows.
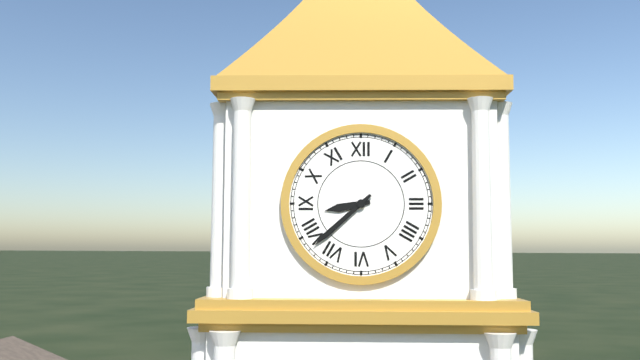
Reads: 8h38
